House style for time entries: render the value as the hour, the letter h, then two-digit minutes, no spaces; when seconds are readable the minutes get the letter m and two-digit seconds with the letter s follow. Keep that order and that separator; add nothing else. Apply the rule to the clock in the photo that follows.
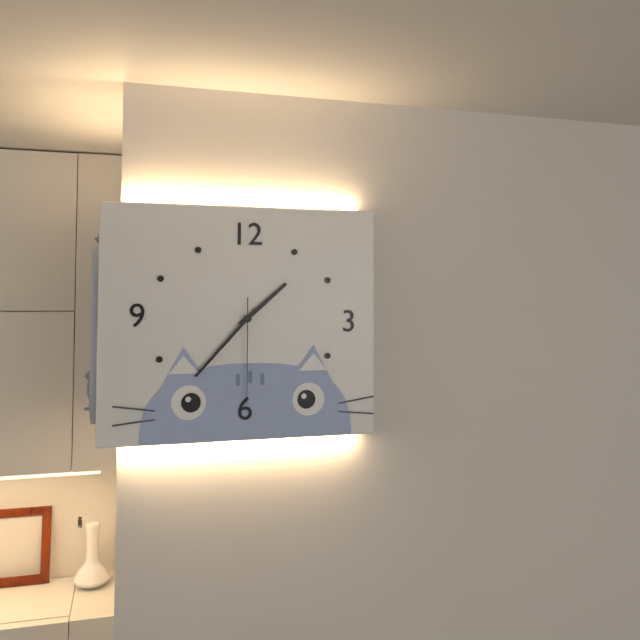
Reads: 1h37m30s
